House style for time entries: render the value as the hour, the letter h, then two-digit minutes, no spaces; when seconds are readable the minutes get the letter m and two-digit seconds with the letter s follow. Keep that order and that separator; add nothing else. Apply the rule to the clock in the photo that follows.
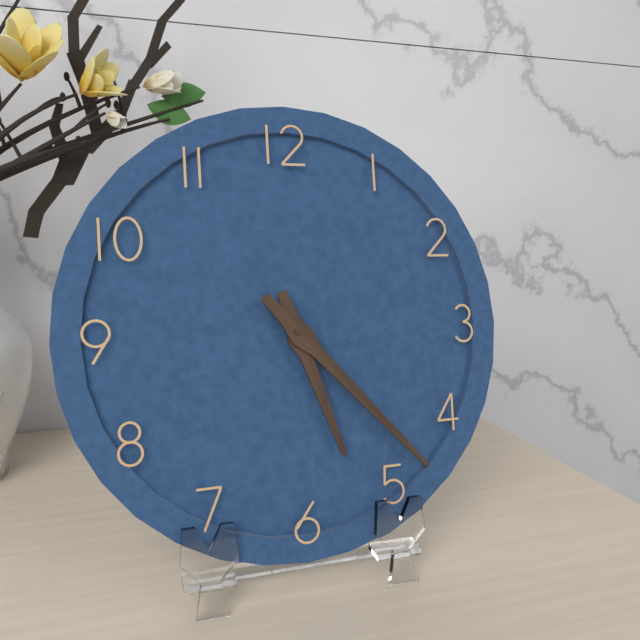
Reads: 5h23
